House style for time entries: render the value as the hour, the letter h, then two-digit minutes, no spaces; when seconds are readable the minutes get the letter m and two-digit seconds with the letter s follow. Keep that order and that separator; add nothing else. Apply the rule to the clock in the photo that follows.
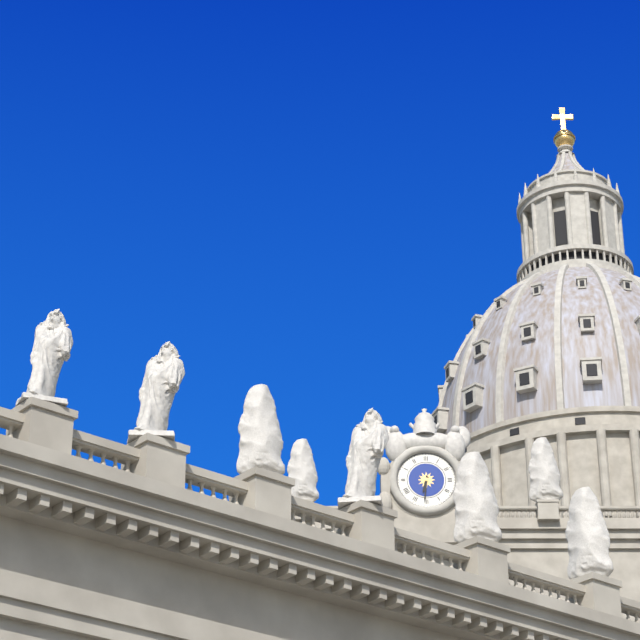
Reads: 6h31
